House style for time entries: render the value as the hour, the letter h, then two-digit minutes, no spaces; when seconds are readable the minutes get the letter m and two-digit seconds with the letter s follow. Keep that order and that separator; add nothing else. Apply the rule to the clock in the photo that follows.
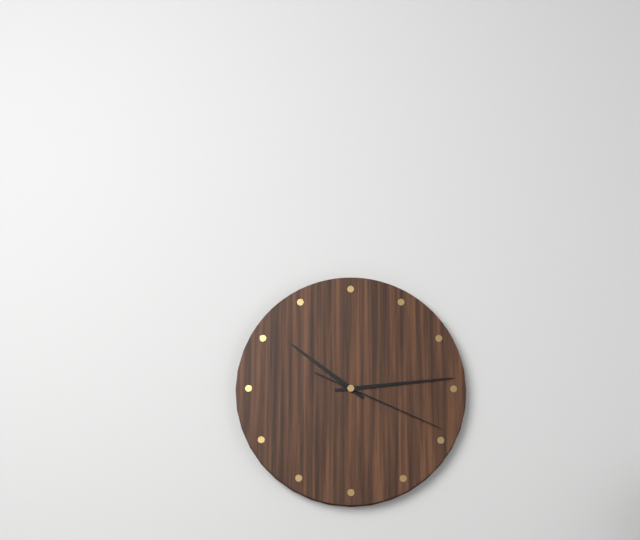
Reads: 10h14m19s
